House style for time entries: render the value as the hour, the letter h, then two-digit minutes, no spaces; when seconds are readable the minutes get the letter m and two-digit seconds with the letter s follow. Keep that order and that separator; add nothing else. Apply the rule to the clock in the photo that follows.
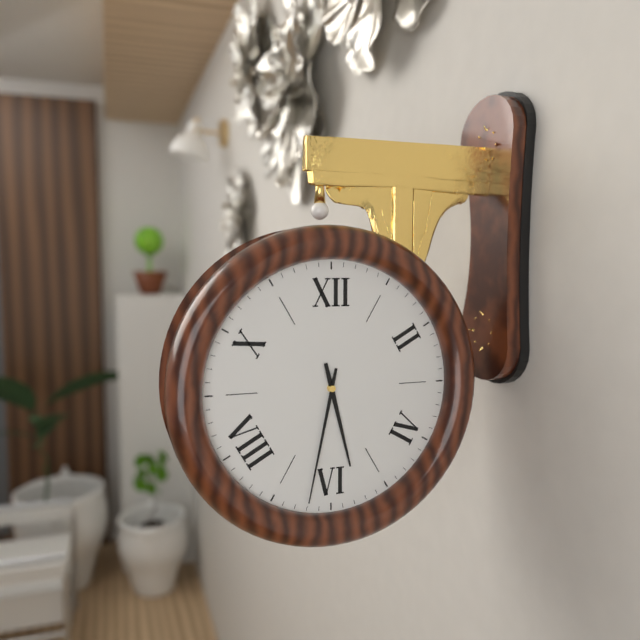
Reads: 5h32
